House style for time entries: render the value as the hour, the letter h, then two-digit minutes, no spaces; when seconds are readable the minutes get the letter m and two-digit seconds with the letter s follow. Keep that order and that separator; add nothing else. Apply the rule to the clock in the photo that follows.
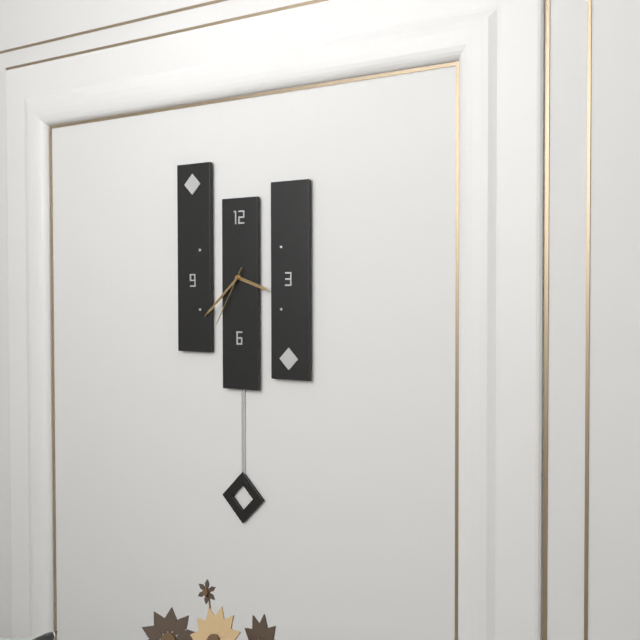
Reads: 3h38m35s
